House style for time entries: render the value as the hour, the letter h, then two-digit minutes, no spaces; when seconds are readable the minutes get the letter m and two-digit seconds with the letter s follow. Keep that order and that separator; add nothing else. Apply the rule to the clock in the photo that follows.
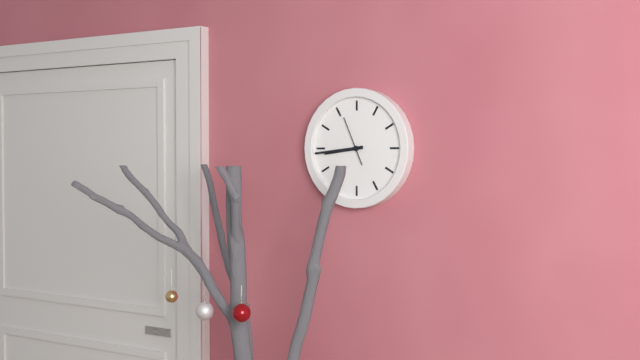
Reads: 8h44
